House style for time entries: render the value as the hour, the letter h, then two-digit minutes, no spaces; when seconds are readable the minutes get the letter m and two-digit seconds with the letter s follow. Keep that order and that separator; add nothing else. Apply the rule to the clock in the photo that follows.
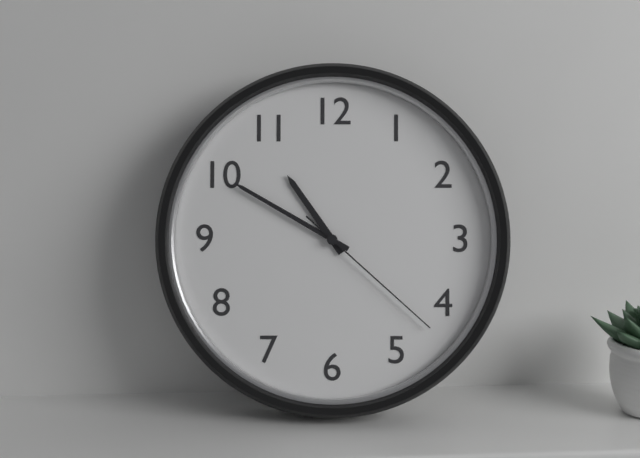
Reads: 10h50m22s
